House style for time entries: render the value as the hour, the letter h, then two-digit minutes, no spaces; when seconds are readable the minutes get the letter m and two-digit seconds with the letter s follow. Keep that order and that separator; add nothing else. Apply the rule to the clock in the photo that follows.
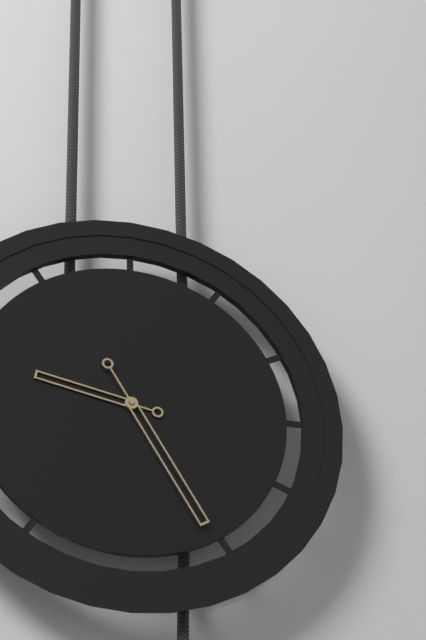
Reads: 9h25
